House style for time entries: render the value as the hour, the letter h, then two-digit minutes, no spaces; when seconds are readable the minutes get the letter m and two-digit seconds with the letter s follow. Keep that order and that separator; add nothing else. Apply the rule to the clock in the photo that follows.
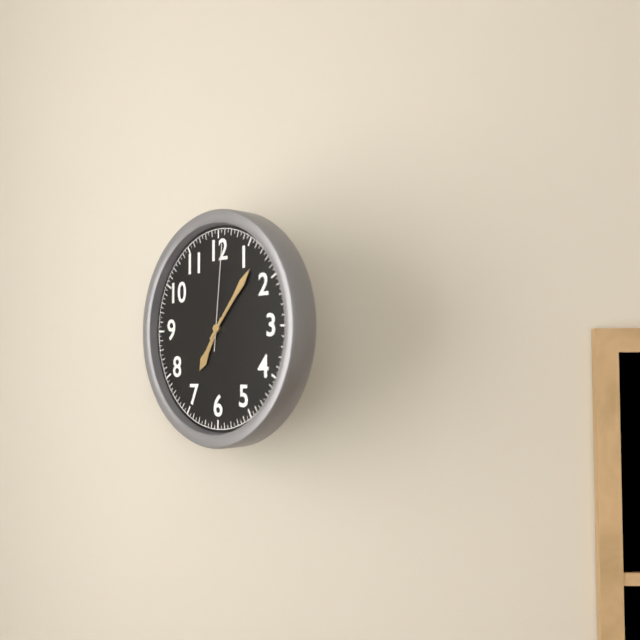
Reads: 7h07m01s
